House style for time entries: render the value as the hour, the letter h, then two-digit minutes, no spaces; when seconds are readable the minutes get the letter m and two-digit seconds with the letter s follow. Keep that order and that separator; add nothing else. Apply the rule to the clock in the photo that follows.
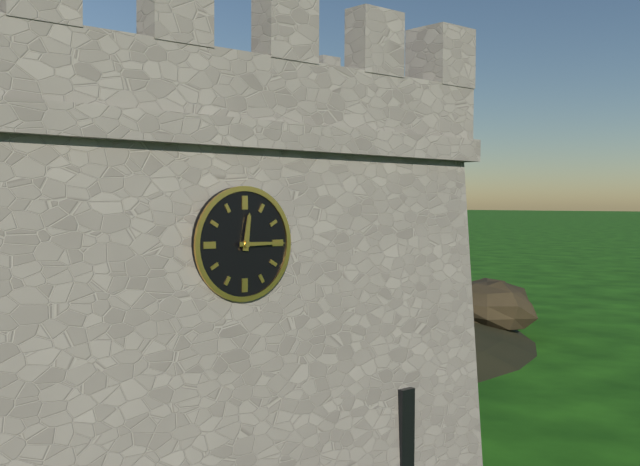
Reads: 12h15
